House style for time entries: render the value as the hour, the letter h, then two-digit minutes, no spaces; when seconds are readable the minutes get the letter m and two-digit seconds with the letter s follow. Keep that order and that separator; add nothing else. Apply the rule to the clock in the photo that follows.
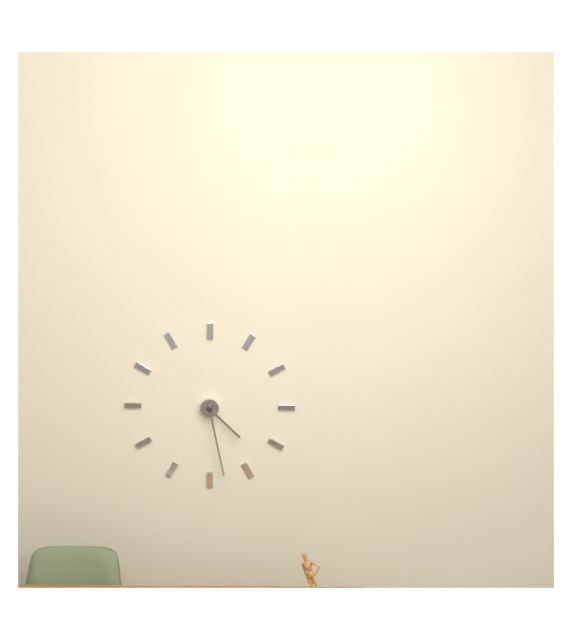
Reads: 4h28
